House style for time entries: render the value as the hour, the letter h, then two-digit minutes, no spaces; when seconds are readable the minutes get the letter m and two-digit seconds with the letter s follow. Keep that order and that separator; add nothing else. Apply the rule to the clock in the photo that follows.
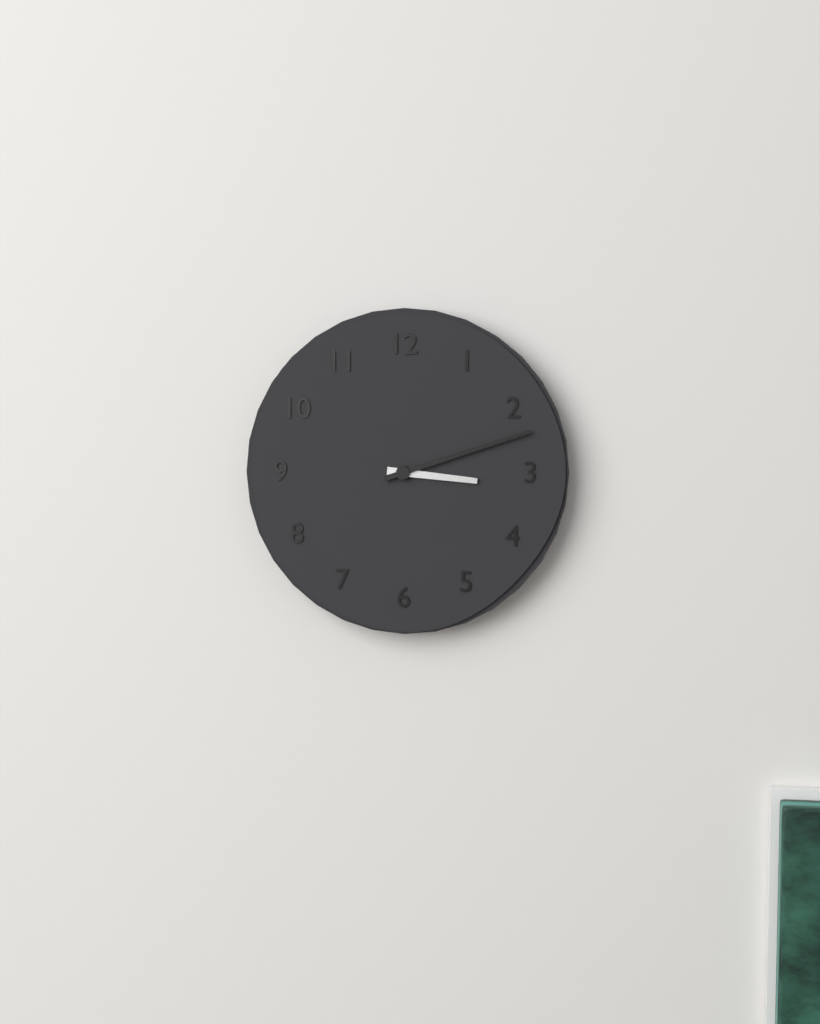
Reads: 3h12
